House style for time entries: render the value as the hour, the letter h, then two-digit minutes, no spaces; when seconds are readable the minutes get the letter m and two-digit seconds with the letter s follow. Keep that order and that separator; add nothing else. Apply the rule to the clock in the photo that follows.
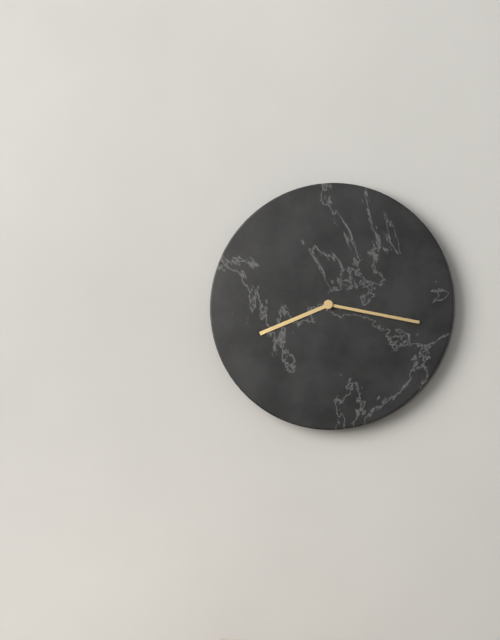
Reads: 8h17
